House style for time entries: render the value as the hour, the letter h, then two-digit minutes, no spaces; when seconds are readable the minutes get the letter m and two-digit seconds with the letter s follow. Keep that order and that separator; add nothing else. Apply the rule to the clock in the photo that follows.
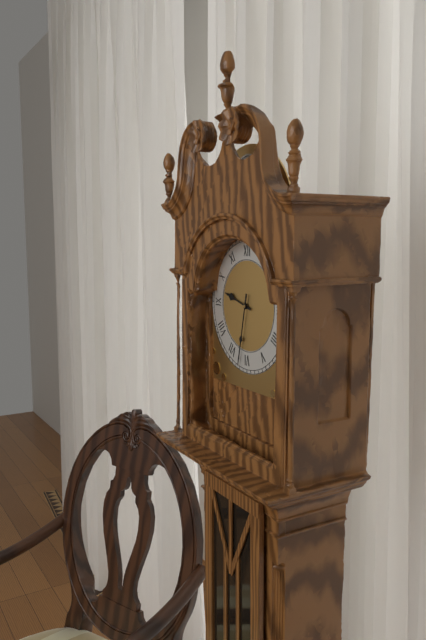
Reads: 9h32
